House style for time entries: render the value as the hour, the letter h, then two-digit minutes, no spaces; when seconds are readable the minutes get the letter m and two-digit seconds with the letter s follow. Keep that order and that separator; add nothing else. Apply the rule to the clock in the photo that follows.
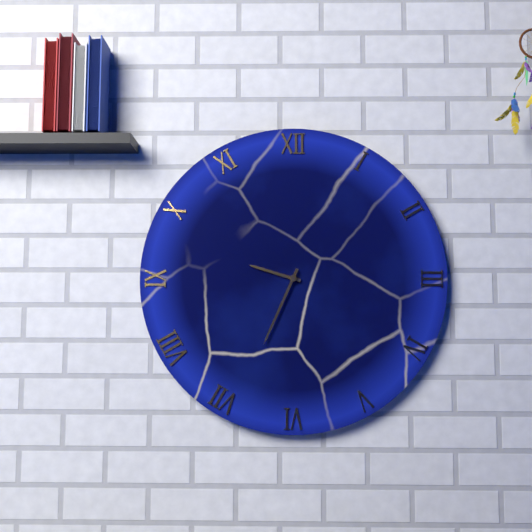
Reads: 9h34
